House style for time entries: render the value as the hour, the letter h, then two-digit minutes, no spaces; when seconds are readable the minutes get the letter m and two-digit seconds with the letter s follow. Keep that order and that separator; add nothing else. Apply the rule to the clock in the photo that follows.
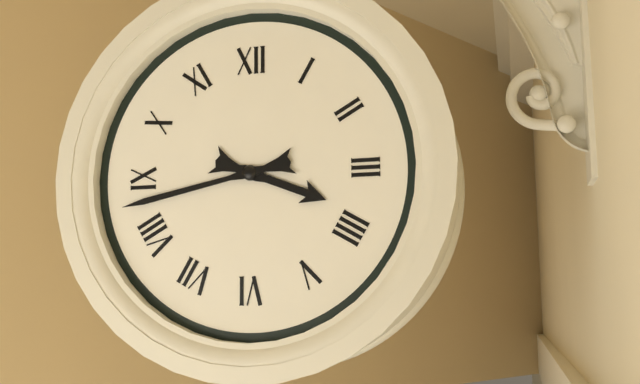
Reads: 3h43
